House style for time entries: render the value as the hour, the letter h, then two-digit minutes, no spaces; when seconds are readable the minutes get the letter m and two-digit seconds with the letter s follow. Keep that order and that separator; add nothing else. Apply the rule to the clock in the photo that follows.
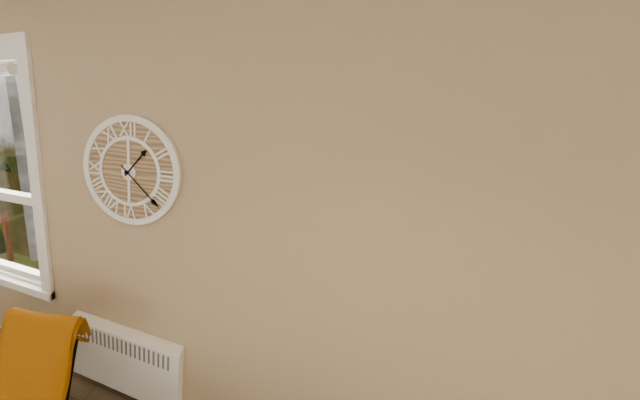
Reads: 1h22
